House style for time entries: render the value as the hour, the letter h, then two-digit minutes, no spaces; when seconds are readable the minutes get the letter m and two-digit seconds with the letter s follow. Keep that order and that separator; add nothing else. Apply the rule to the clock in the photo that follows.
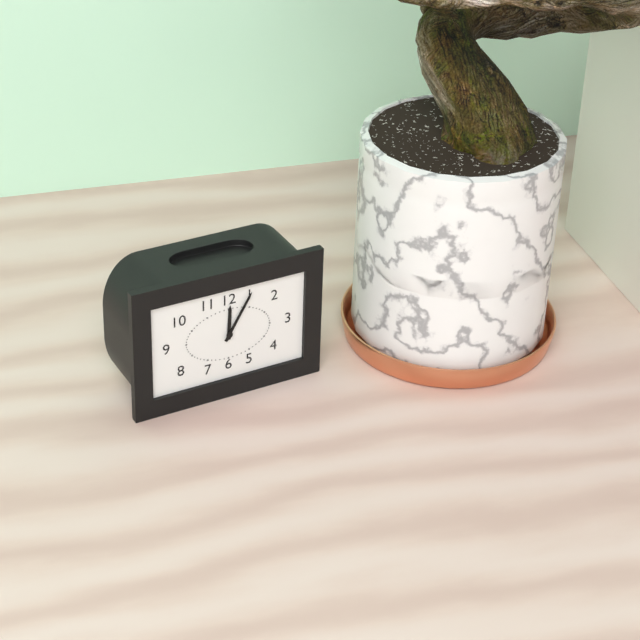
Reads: 12h05
